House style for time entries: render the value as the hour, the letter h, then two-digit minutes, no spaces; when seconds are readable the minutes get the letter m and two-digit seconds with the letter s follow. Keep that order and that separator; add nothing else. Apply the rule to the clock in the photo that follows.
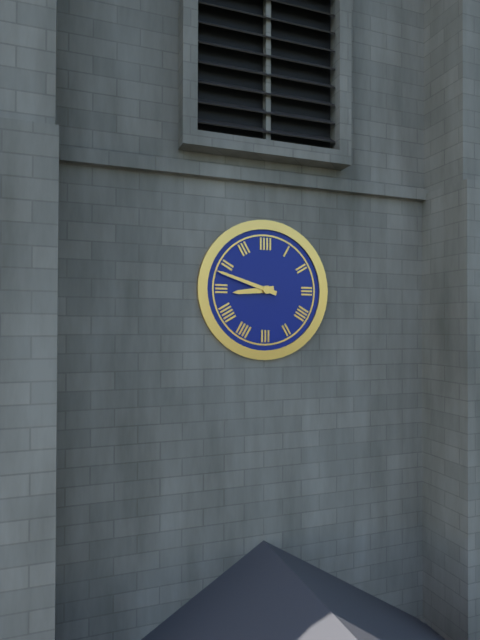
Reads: 8h48
